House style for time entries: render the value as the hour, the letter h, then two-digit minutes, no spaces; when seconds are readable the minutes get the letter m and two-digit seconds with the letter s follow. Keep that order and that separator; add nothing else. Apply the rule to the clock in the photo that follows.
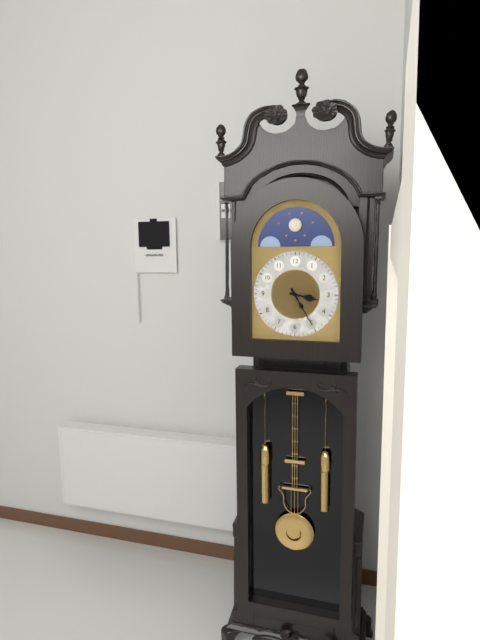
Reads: 3h25
